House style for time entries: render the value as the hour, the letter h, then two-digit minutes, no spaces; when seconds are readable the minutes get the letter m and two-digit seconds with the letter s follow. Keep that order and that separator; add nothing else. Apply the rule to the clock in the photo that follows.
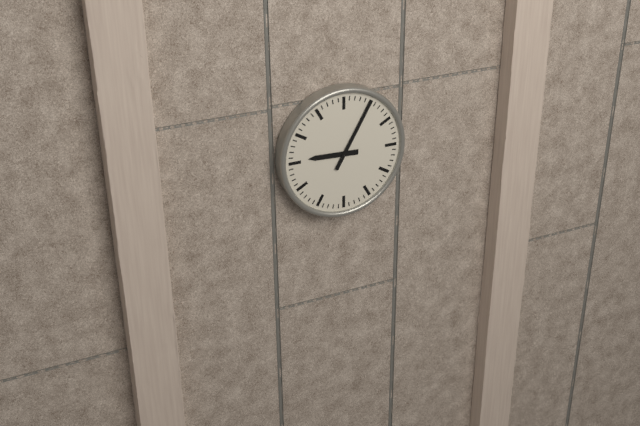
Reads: 9h05
